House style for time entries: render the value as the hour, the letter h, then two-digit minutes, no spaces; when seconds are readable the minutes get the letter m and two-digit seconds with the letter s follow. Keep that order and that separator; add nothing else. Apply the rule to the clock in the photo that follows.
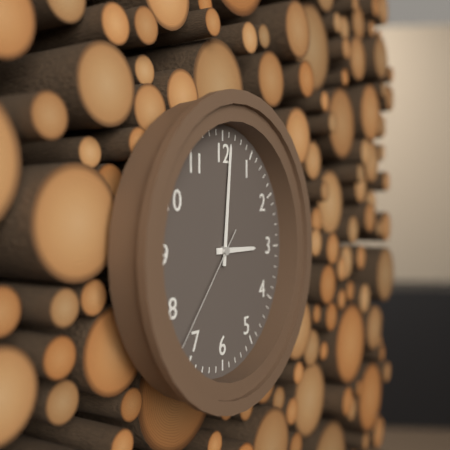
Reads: 3h01m37s
